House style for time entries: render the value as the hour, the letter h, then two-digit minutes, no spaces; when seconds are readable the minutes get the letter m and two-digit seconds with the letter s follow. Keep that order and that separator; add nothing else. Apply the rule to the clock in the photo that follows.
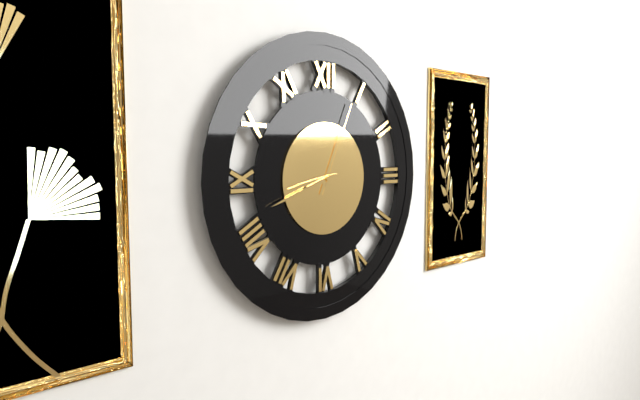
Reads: 8h42m04s
